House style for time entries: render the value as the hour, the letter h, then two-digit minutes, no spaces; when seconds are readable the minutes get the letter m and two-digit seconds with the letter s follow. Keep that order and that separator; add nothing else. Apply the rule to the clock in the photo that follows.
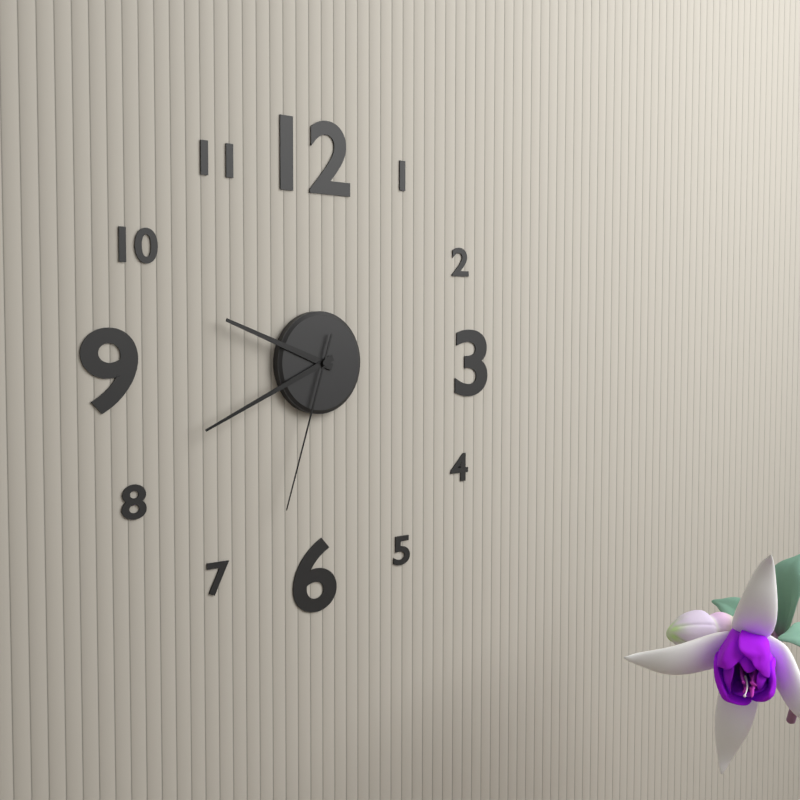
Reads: 9h41m33s
